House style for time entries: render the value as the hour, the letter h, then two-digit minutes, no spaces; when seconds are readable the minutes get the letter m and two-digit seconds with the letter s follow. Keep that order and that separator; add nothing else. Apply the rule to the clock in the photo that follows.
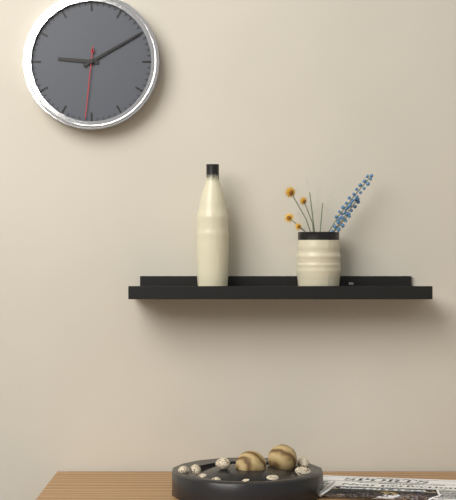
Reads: 9h10m31s
